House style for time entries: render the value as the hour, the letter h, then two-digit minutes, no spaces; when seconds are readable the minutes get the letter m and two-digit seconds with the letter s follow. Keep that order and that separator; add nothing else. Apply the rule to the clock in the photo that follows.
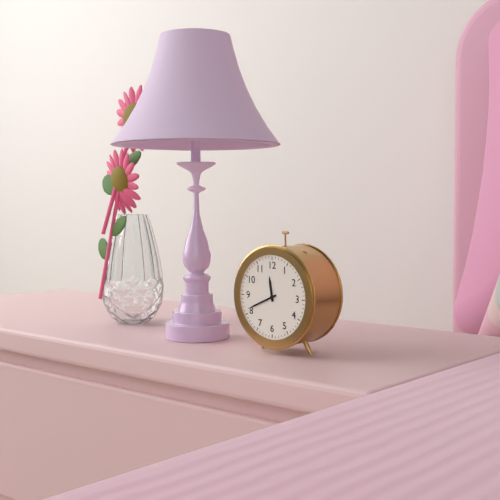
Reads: 11h41
